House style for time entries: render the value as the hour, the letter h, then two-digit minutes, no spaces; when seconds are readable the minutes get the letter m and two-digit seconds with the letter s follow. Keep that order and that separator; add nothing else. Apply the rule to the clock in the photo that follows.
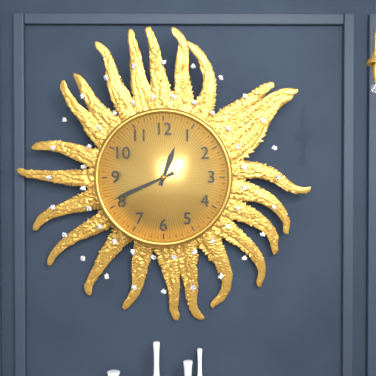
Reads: 12h41
